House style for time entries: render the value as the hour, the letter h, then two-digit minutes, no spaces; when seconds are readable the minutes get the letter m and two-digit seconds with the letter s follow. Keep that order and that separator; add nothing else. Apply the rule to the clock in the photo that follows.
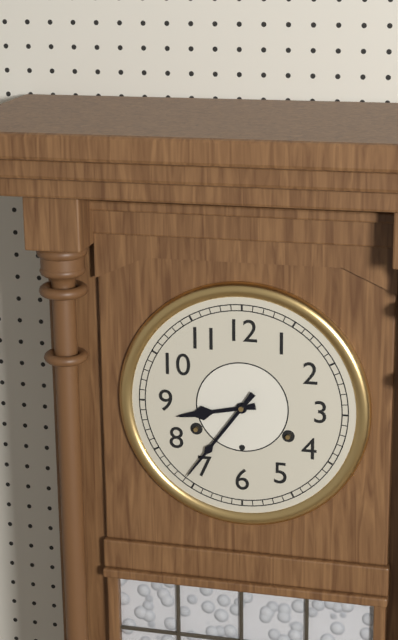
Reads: 8h36
